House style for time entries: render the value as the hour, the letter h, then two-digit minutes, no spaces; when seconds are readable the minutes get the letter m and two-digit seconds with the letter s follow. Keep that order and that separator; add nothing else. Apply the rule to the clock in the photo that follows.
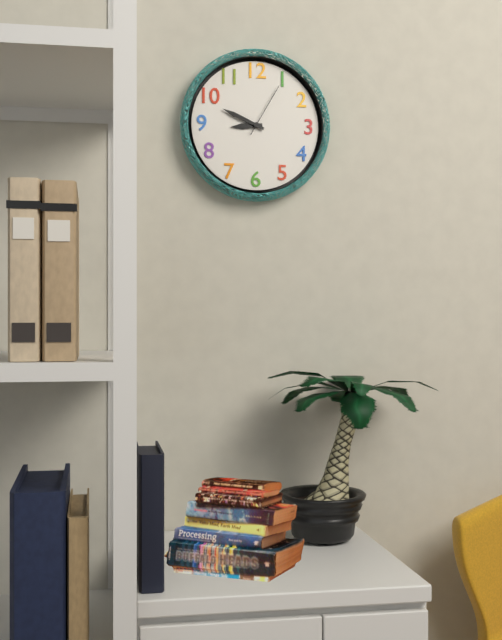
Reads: 8h49m05s
